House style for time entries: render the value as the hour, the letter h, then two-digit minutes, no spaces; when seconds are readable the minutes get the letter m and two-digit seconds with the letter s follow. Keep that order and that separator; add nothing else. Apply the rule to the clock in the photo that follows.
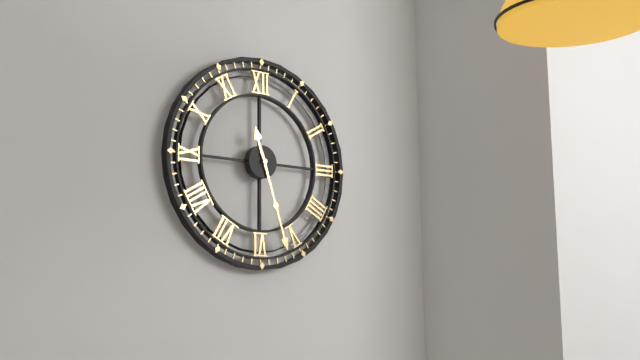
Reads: 11h27
